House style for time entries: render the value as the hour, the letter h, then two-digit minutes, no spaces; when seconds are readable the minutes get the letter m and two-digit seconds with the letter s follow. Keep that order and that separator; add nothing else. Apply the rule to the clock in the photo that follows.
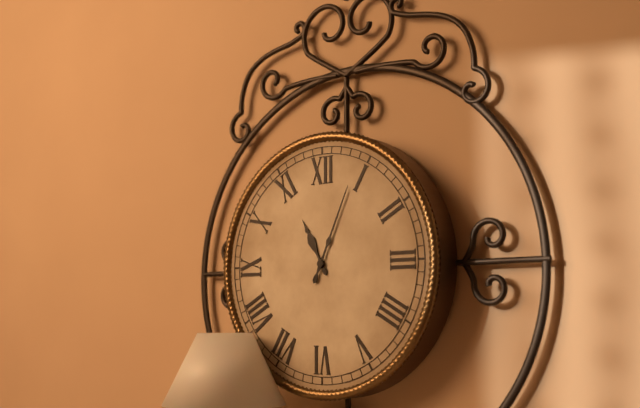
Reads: 11h04
